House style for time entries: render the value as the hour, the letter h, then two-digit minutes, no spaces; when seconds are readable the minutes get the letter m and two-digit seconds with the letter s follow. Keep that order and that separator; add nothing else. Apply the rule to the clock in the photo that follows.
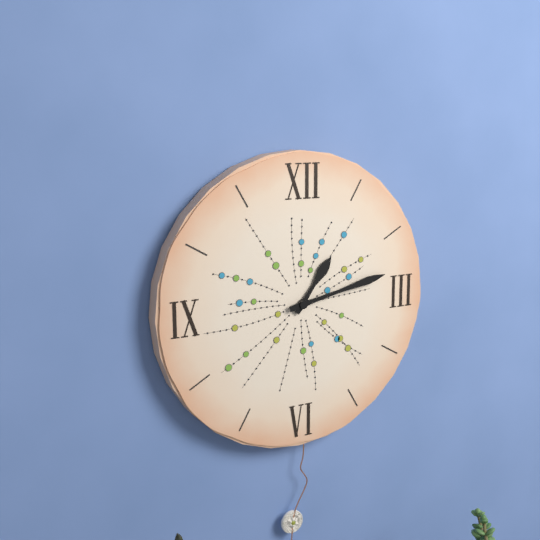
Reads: 1h13
